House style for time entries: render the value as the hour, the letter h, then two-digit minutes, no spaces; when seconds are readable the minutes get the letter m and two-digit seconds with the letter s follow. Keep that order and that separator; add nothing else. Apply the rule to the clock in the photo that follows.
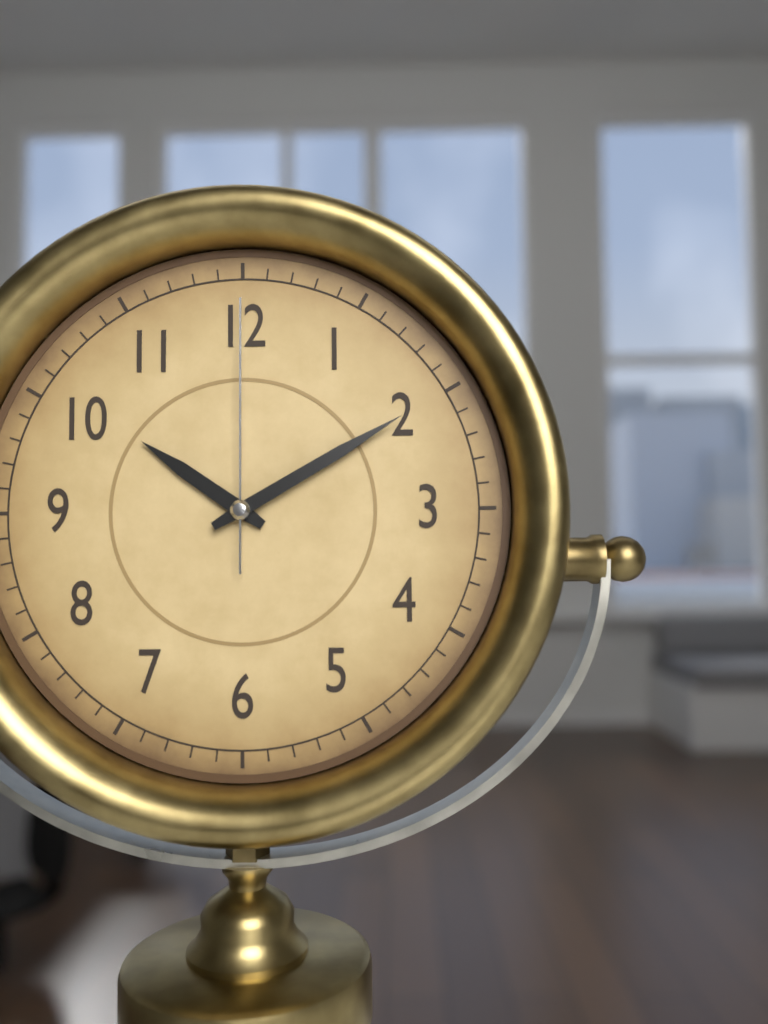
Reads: 10h10m00s
